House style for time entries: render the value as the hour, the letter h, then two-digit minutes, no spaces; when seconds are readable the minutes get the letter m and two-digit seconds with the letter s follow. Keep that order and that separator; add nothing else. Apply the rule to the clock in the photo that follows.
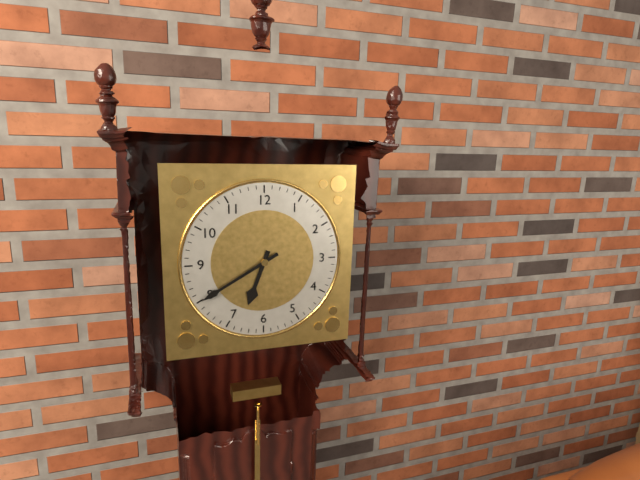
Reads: 6h40
